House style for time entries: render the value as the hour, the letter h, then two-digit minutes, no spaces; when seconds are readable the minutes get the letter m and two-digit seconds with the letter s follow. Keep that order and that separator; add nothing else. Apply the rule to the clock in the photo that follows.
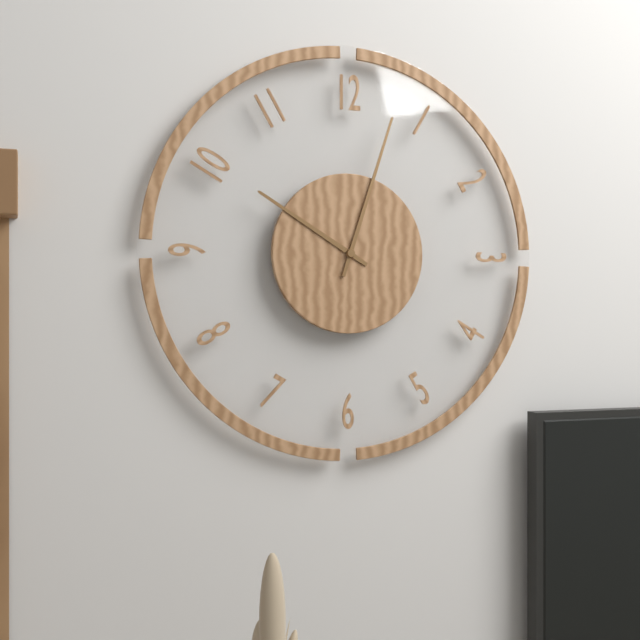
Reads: 10h03
